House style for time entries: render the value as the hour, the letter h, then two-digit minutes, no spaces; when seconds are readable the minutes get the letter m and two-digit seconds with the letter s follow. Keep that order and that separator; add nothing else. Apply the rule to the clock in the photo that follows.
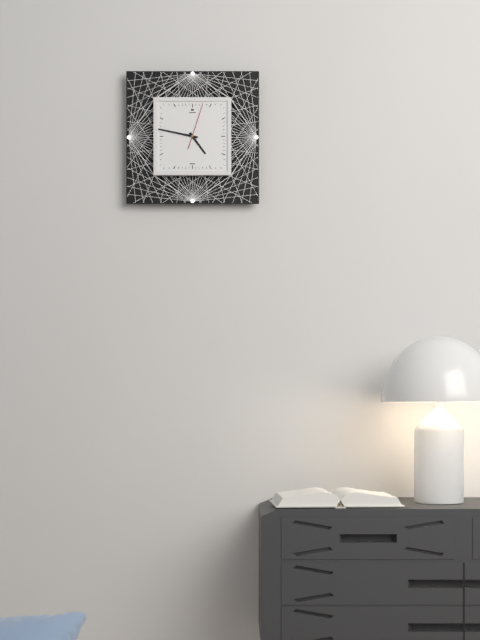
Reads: 4h47
